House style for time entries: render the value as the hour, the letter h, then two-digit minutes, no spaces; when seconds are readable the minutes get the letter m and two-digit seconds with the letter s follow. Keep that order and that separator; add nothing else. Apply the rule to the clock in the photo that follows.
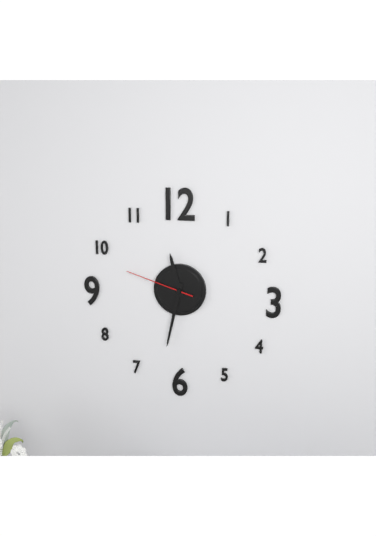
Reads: 11h32m48s
